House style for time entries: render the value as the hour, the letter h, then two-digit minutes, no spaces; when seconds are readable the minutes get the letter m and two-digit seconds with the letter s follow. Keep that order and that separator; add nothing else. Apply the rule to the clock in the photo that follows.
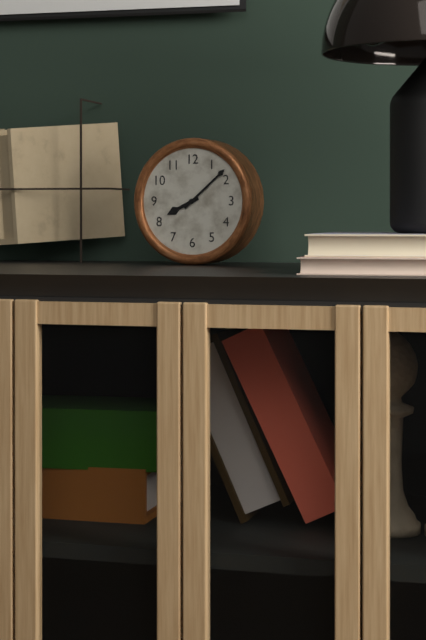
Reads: 8h08
